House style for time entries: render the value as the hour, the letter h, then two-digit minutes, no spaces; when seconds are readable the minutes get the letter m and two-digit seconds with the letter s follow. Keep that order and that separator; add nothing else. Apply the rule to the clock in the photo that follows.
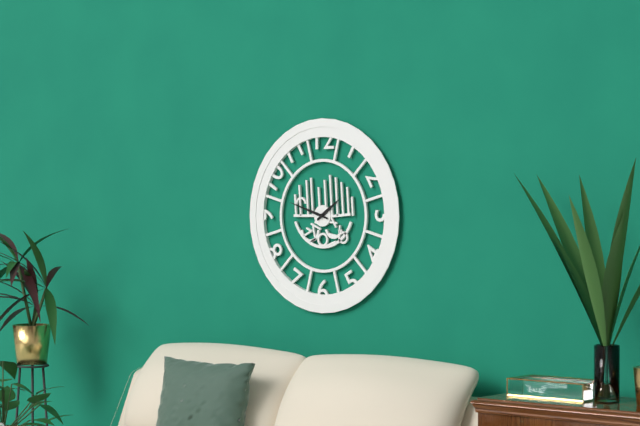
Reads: 1h48
